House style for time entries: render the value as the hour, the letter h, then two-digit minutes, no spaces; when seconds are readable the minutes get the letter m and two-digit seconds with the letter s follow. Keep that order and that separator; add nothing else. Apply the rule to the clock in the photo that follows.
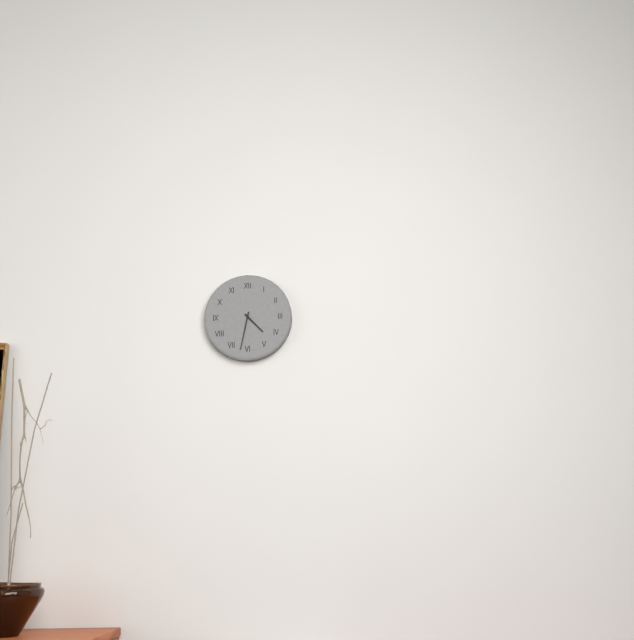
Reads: 4h32
